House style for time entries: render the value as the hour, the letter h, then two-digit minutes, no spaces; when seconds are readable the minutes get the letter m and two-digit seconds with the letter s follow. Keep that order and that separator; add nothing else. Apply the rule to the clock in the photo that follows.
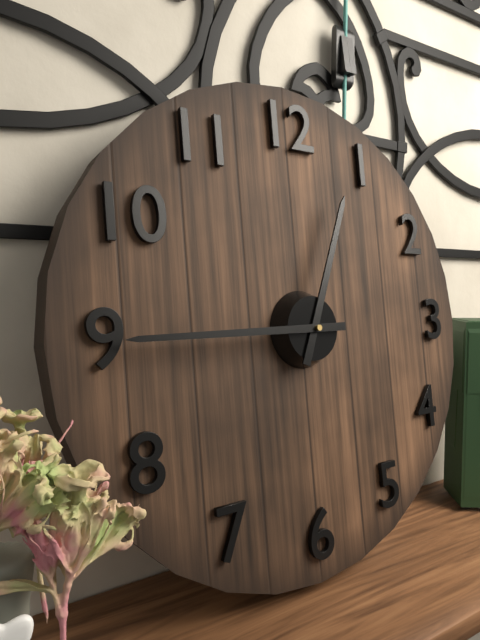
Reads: 12h45
